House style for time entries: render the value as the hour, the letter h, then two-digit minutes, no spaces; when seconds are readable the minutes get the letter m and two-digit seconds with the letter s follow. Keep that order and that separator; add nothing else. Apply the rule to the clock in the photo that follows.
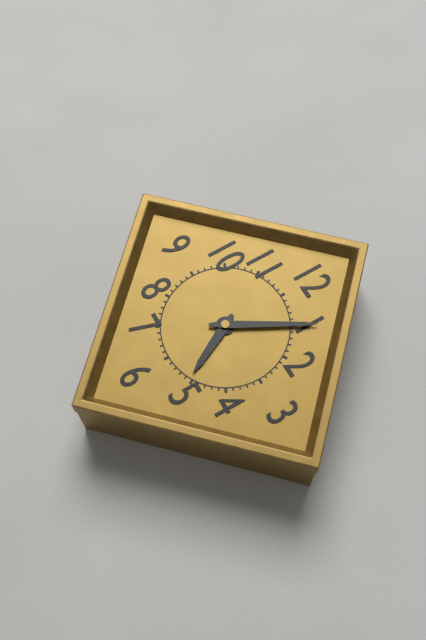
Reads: 5h05
